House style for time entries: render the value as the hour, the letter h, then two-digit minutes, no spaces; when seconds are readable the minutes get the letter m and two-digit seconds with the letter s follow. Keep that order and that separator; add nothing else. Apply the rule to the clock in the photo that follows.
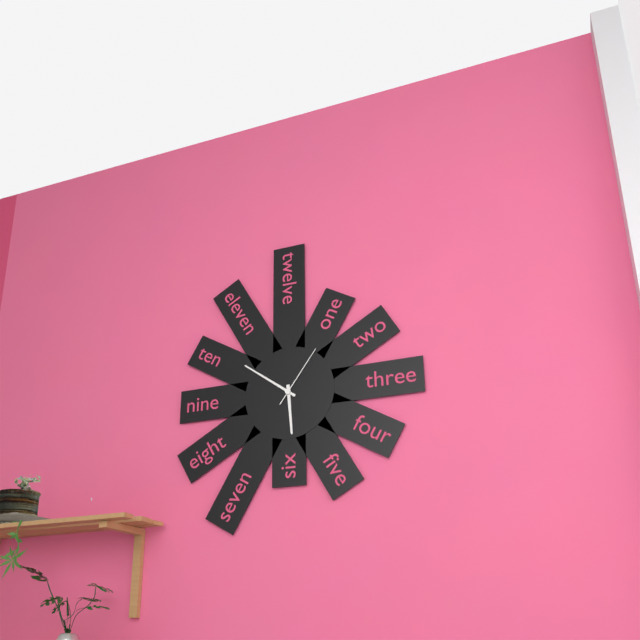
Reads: 5h51m06s
